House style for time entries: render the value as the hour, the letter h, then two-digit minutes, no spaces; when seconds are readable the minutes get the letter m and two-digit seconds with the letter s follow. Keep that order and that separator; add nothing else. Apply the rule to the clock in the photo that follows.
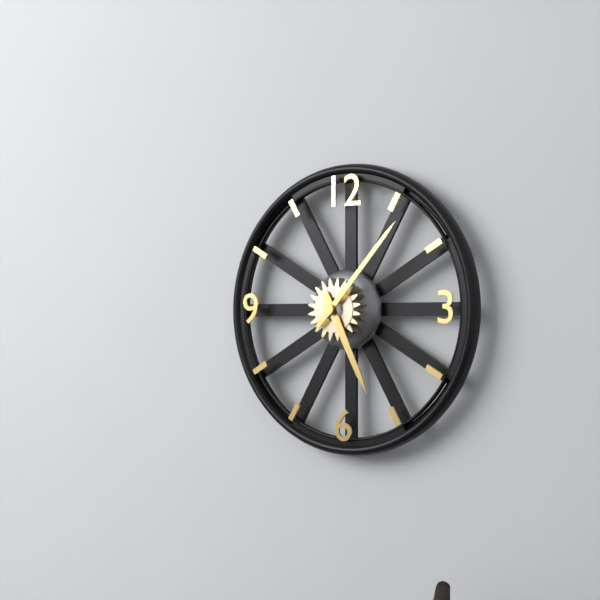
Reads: 5h07
